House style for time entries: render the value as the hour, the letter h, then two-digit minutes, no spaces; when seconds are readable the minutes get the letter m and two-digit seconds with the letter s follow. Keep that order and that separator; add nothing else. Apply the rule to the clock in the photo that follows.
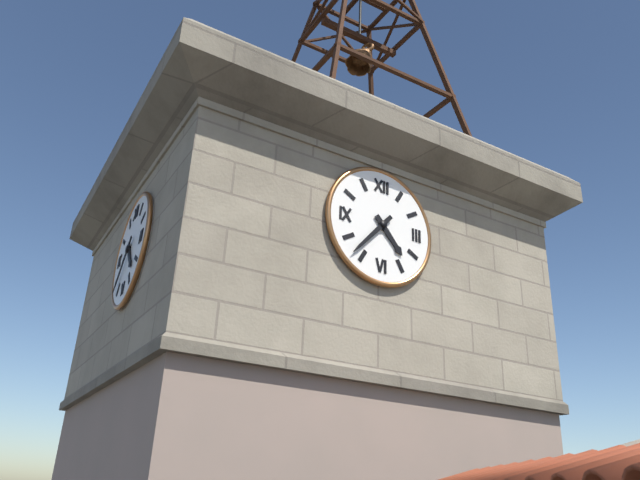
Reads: 4h37
